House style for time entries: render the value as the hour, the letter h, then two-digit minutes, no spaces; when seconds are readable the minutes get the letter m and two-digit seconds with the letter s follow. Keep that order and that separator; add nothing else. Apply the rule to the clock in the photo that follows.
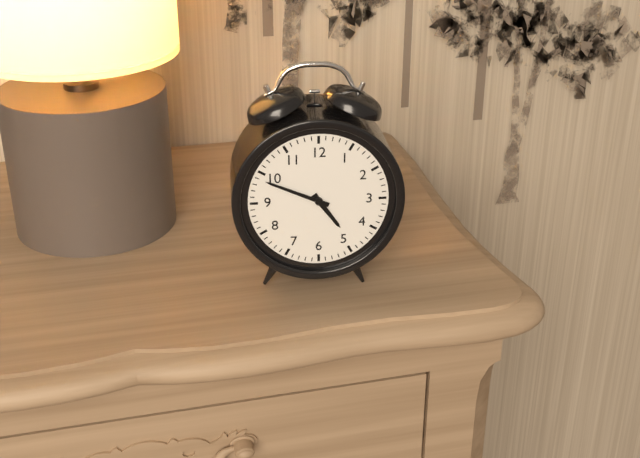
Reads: 4h49
